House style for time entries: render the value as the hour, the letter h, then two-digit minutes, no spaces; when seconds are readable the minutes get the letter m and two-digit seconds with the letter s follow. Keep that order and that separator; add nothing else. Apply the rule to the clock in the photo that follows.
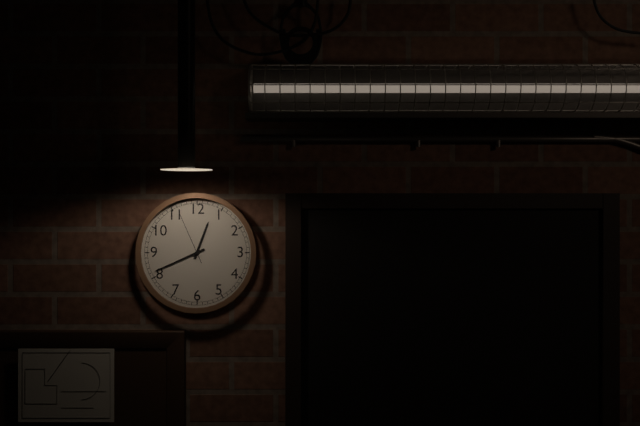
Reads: 12h41m56s
